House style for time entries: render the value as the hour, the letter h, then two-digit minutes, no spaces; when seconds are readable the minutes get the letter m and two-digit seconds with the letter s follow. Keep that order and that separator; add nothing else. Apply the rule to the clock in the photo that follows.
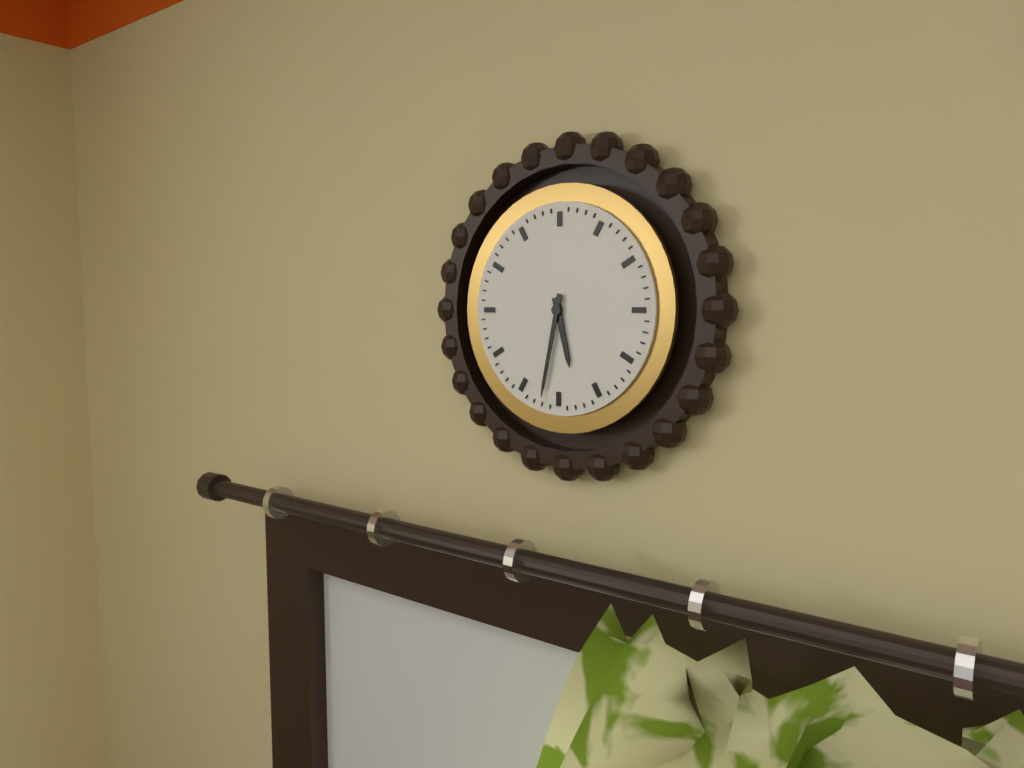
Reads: 5h32
